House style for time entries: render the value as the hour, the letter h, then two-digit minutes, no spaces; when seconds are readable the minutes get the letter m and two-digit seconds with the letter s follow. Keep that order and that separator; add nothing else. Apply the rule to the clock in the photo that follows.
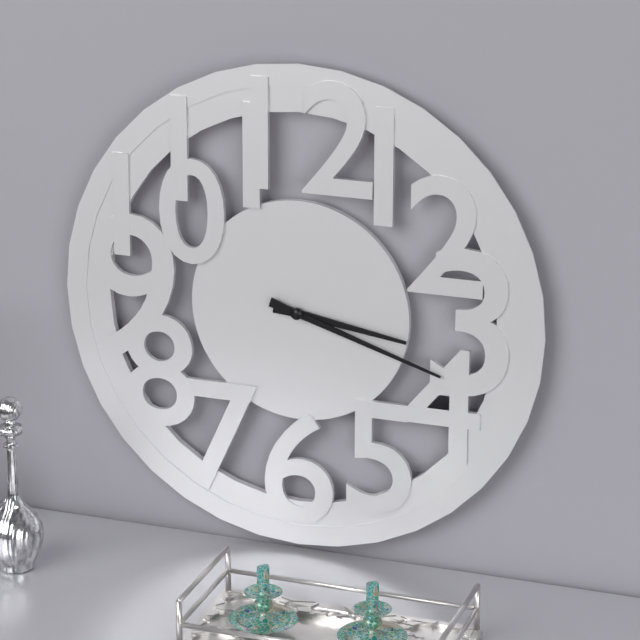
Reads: 3h18
